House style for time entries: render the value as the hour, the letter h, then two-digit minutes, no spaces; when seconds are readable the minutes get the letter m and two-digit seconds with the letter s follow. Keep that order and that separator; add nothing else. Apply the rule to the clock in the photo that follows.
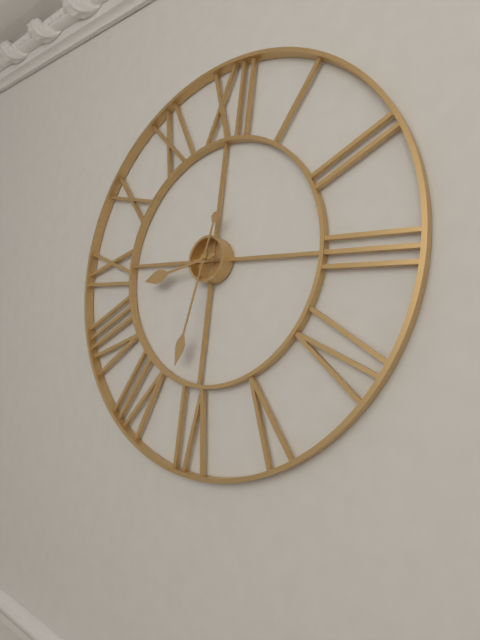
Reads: 8h32
